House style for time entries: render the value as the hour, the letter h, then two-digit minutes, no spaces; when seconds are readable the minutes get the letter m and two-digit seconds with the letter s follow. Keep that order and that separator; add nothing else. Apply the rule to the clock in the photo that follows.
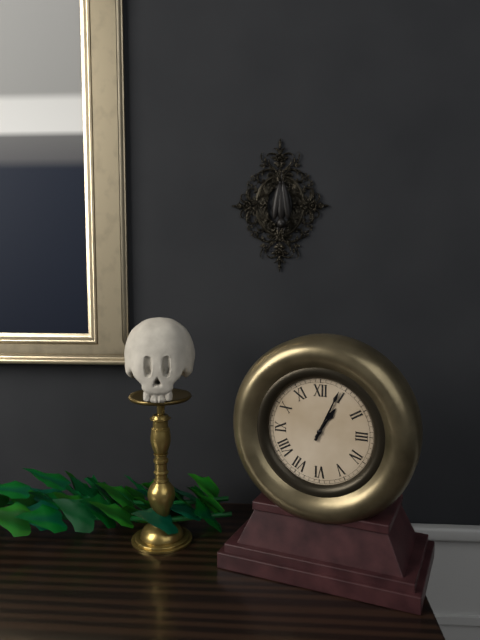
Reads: 1h04
